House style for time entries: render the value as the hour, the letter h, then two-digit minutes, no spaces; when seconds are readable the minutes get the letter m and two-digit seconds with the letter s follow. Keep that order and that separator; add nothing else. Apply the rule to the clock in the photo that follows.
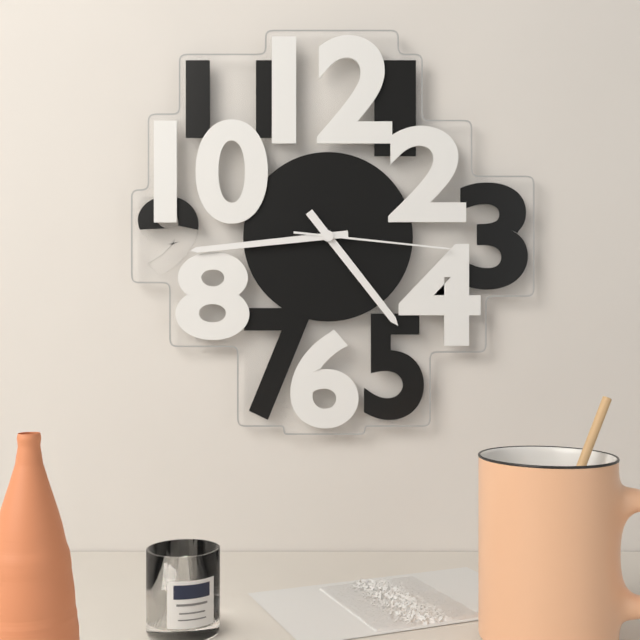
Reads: 4h44m16s
